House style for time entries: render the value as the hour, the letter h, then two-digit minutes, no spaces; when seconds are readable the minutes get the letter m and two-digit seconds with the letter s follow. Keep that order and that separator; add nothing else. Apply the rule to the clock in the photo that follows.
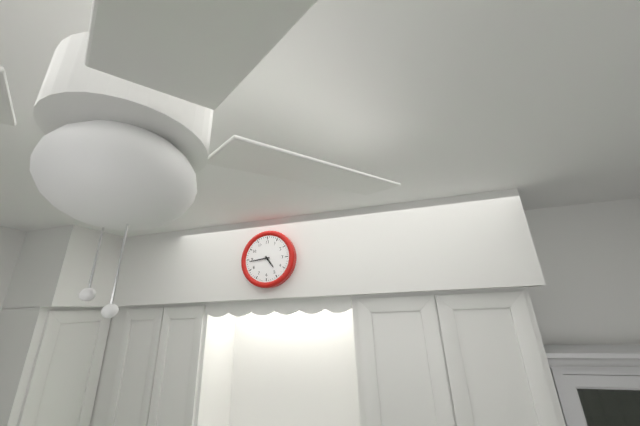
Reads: 4h44
